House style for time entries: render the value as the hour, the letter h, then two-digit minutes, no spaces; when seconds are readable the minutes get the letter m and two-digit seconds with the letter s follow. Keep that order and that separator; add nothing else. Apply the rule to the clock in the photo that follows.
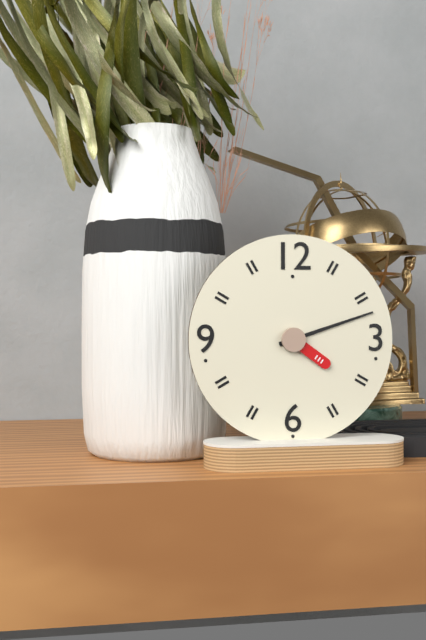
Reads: 4h12
